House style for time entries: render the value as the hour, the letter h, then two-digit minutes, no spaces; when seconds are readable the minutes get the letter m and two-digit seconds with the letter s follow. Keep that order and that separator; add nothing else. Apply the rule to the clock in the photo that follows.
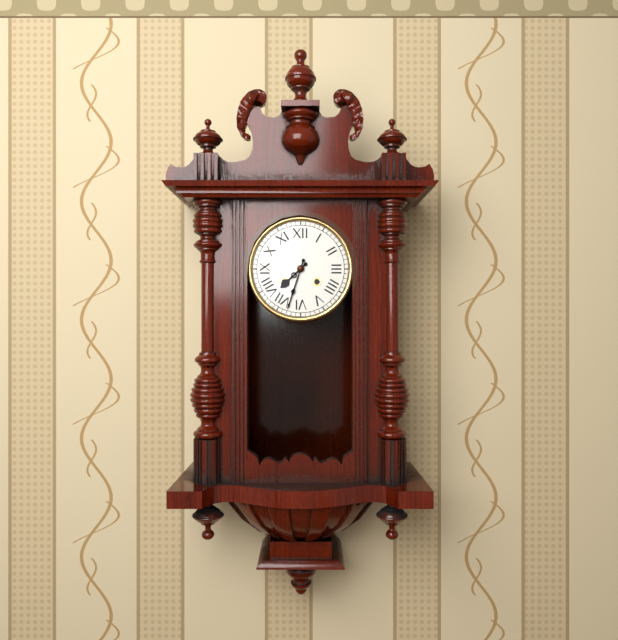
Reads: 7h33
